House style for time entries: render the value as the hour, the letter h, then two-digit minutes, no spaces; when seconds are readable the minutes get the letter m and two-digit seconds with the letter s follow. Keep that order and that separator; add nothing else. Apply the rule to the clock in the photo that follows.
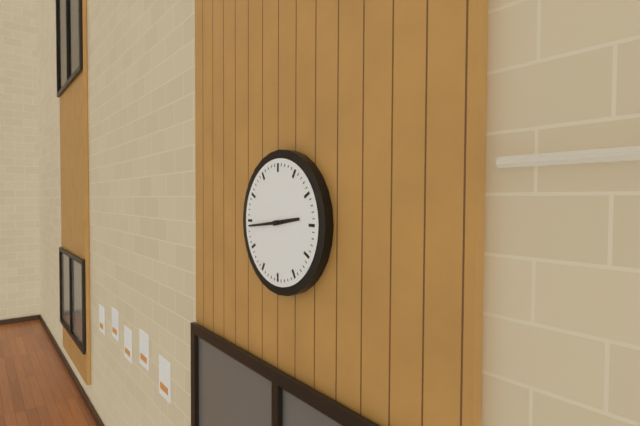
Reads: 2h44
